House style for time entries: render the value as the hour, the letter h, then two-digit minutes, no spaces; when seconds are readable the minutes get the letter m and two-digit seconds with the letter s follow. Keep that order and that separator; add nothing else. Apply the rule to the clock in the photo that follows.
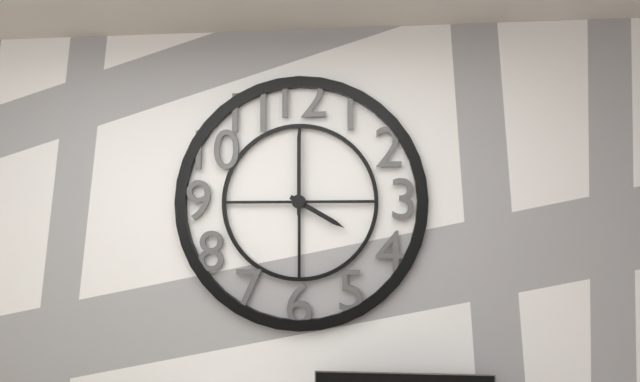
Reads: 4h00
